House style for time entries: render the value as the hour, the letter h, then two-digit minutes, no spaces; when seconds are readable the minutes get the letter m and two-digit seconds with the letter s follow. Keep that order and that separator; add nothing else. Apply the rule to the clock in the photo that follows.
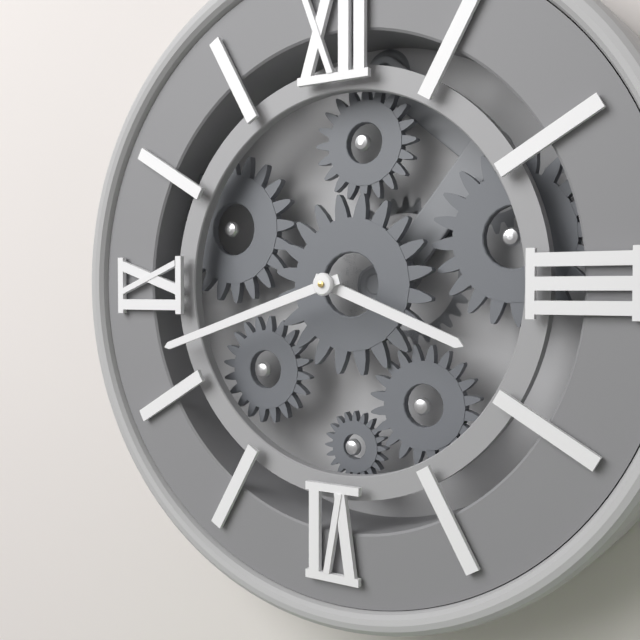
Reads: 3h42
